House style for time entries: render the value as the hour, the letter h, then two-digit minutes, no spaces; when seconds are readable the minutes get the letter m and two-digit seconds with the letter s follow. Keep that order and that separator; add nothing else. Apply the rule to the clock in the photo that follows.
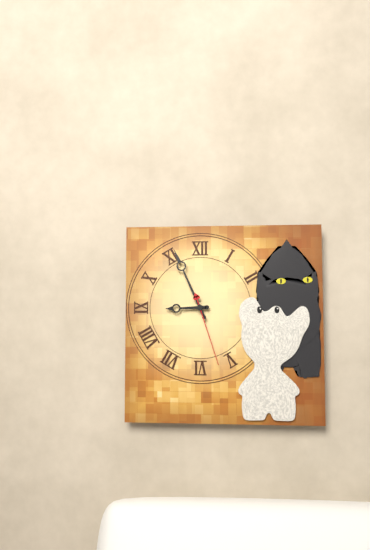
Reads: 8h56m27s
